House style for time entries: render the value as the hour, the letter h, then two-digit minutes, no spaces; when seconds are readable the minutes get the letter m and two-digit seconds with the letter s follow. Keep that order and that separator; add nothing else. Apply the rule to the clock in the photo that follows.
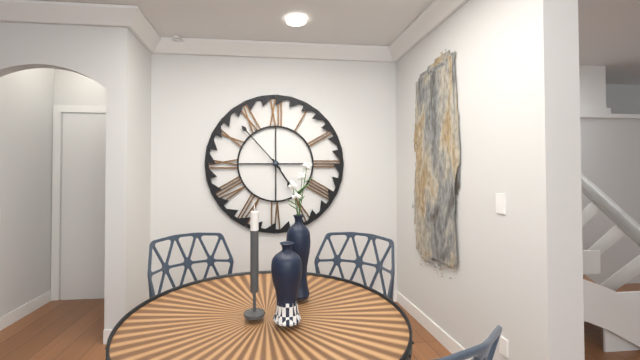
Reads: 4h53
